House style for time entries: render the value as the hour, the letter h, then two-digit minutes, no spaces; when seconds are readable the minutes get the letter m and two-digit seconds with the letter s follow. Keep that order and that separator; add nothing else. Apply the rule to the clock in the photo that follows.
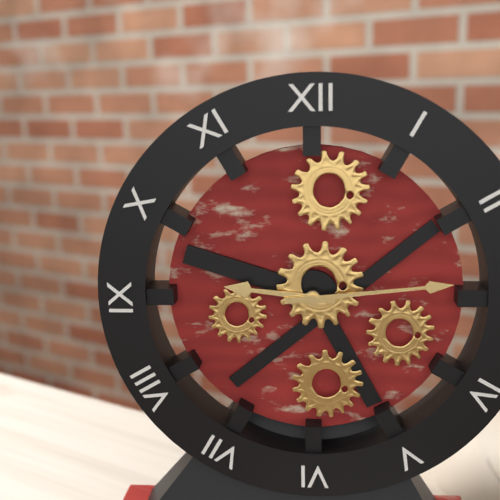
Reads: 9h14
